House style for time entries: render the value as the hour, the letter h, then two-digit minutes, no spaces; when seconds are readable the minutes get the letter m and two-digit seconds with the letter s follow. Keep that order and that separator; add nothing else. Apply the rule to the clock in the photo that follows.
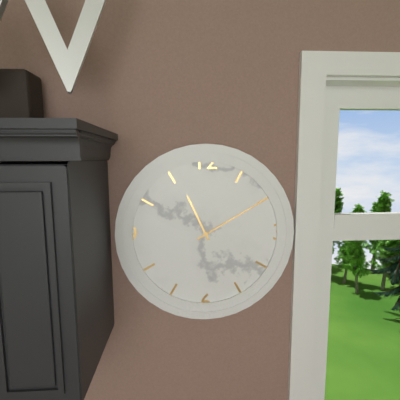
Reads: 11h10
